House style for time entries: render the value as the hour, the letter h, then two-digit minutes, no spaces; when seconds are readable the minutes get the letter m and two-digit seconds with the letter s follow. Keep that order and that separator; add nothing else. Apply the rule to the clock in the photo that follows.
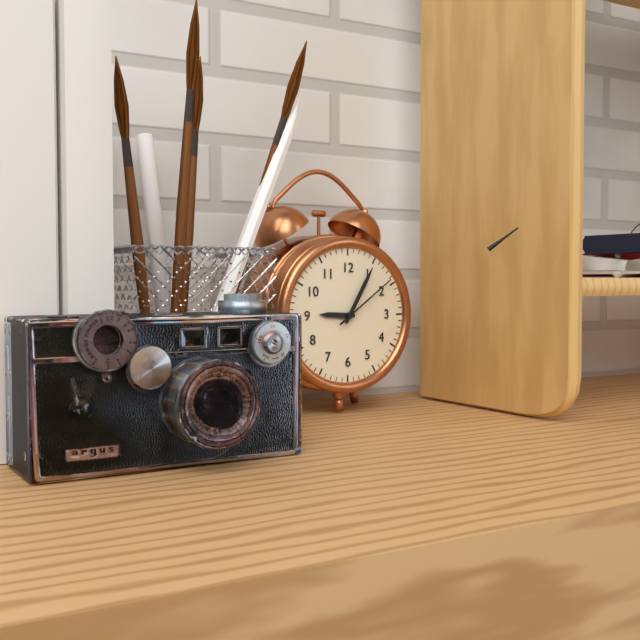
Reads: 9h05m09s
